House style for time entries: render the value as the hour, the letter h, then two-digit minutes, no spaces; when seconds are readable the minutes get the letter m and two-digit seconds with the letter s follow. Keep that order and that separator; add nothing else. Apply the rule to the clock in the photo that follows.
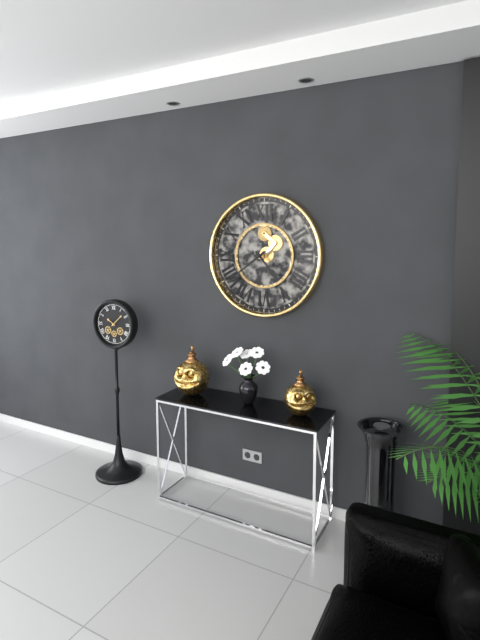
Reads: 4h39
